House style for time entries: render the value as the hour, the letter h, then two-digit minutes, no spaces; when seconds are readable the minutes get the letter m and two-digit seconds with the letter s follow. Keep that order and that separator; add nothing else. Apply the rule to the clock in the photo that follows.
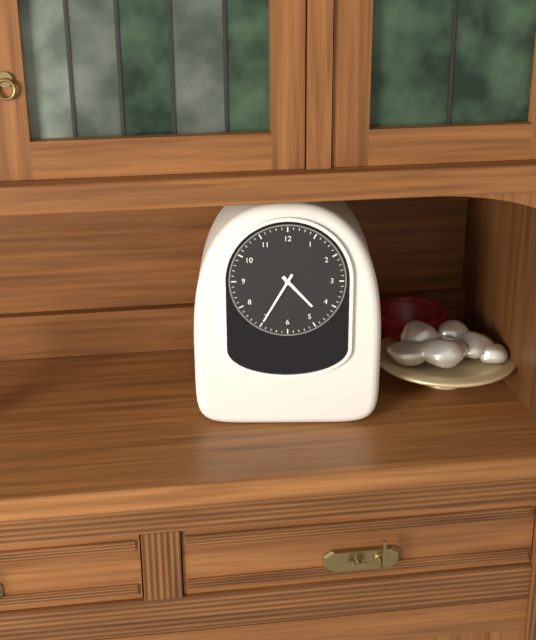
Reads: 4h35
